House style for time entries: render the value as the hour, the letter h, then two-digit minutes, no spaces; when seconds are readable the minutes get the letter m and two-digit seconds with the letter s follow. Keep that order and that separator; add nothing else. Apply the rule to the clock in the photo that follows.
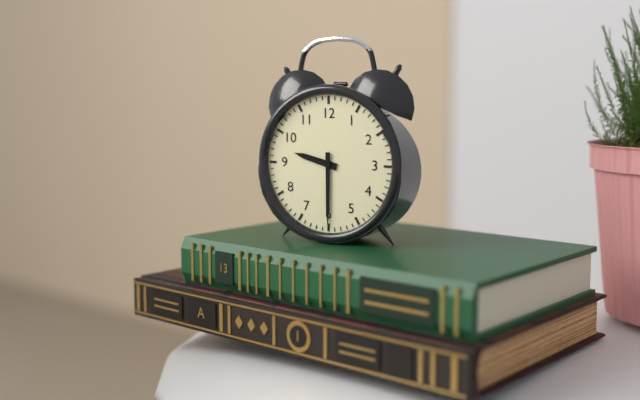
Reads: 9h30
